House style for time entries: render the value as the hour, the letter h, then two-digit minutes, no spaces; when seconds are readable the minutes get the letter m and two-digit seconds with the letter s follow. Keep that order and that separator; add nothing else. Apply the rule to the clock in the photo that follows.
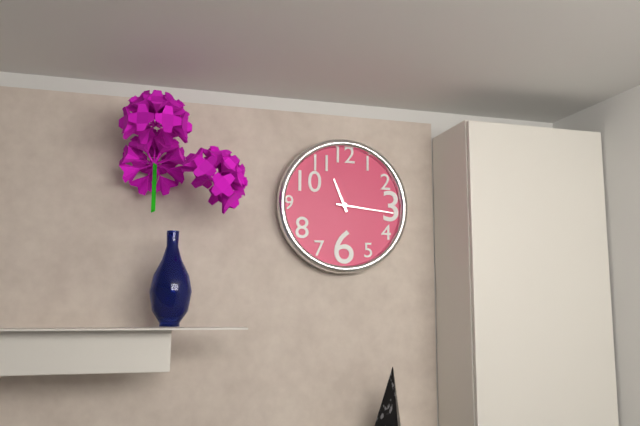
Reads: 11h16
